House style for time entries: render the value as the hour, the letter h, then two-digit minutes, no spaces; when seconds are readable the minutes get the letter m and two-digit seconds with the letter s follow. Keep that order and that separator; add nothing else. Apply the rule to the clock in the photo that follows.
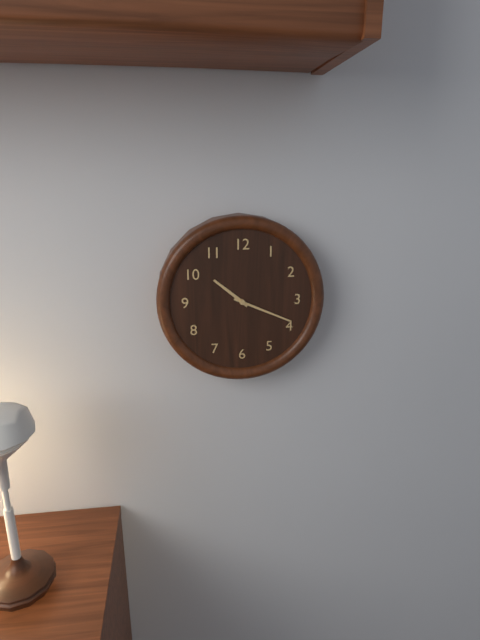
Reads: 10h19
